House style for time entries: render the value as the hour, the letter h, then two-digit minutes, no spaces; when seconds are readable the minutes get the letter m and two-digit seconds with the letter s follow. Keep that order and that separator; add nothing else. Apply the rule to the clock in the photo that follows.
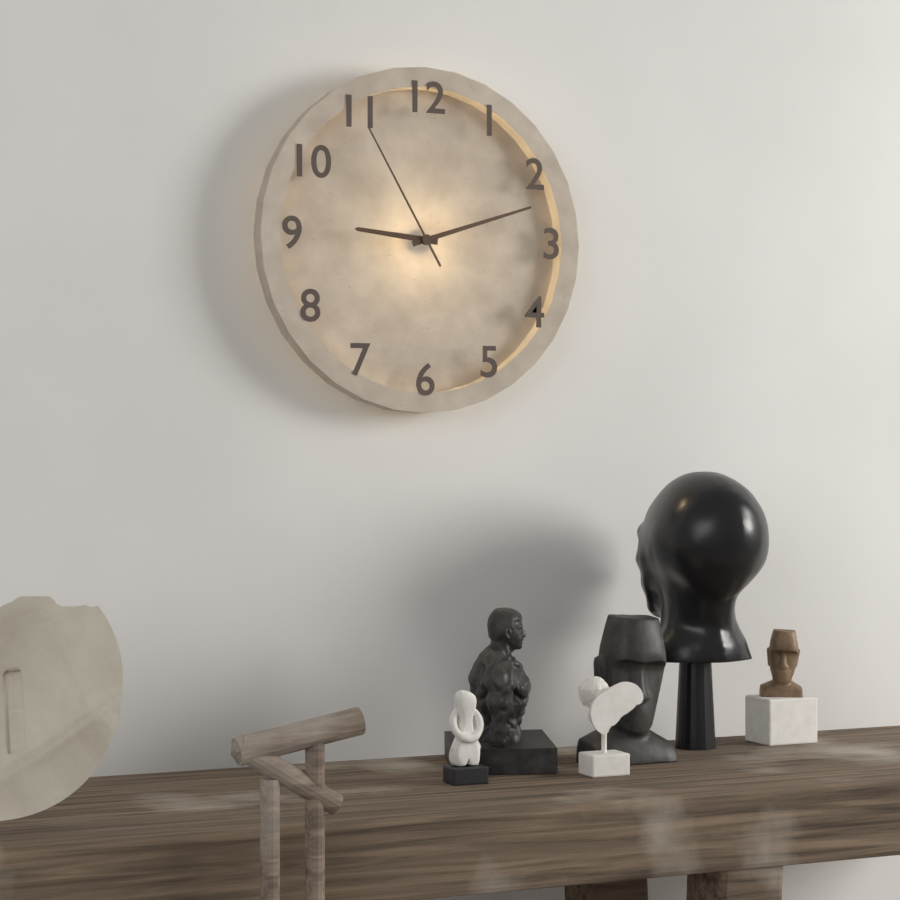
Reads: 9h12m55s
